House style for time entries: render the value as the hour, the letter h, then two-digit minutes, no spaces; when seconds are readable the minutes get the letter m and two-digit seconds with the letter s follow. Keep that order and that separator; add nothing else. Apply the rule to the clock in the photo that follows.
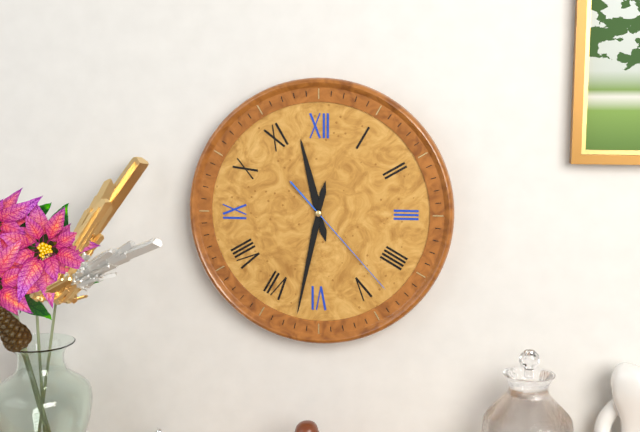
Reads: 11h32m23s
